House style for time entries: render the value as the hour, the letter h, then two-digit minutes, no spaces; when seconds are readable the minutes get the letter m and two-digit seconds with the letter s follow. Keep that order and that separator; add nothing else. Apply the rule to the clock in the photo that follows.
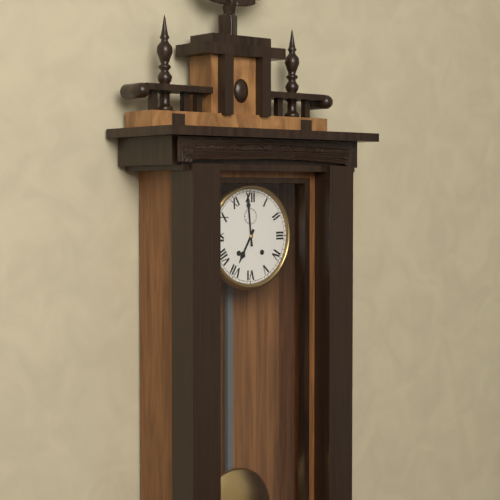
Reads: 6h59
